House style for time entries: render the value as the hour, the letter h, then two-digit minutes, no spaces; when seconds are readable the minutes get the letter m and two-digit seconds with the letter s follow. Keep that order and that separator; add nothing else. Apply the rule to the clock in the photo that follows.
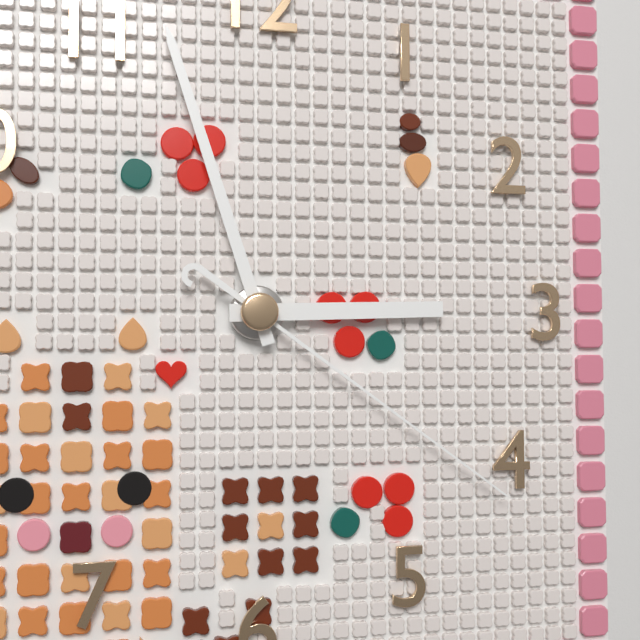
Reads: 2h57m21s
